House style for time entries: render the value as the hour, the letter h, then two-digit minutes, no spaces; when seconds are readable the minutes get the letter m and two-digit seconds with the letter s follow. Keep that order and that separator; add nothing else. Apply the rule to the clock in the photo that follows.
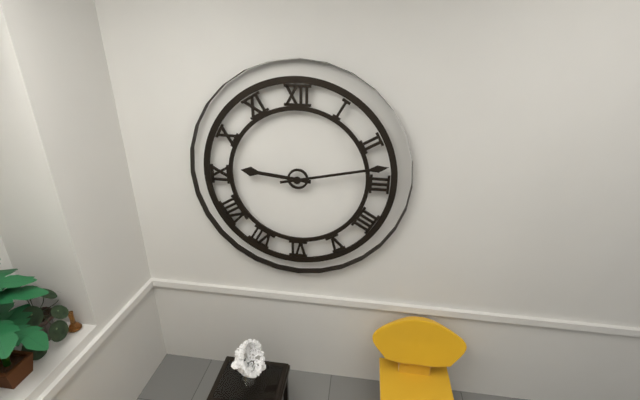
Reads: 9h13
